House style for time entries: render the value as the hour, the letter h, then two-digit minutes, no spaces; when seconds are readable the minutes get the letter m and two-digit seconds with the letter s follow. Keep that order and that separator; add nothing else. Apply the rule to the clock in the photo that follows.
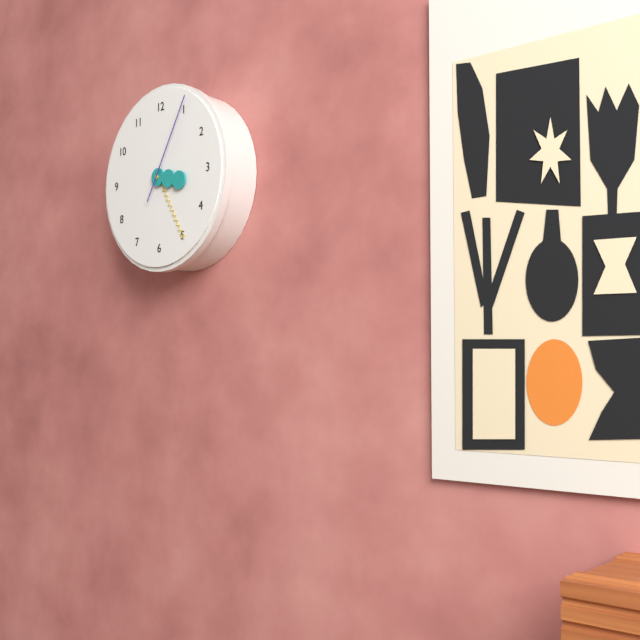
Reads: 3h25m05s
